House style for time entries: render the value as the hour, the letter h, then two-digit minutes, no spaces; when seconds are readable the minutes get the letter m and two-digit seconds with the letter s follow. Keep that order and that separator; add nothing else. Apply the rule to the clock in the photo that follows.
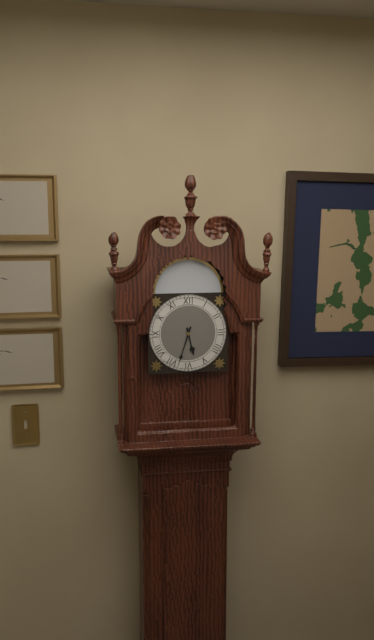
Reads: 5h33
